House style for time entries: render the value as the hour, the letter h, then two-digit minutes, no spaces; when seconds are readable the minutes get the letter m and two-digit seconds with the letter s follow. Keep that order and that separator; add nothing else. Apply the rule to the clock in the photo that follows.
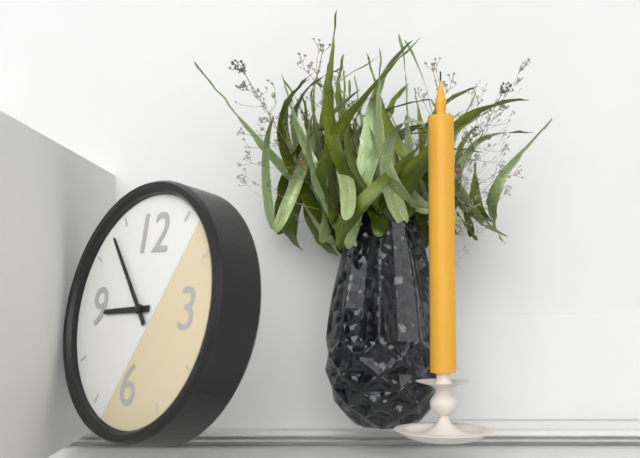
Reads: 8h53
